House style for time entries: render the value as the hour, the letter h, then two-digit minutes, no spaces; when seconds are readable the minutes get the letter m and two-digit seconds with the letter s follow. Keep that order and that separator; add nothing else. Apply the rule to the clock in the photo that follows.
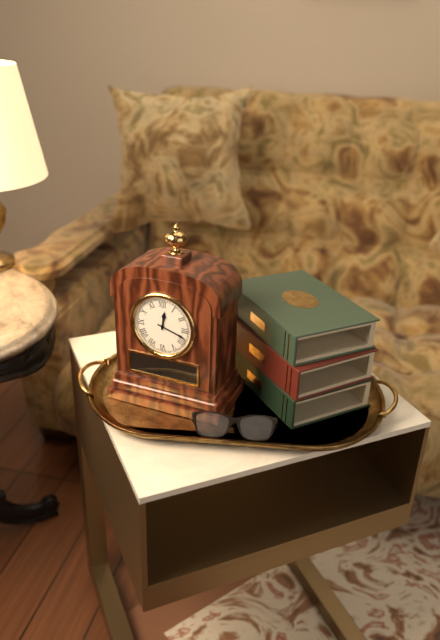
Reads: 12h18
